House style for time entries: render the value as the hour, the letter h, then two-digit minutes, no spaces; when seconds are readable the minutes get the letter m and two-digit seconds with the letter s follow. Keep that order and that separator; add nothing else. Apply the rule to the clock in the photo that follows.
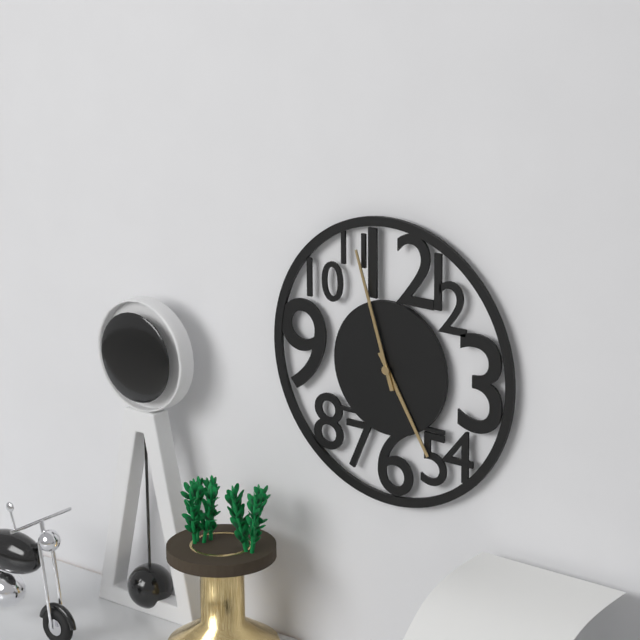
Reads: 4h57
